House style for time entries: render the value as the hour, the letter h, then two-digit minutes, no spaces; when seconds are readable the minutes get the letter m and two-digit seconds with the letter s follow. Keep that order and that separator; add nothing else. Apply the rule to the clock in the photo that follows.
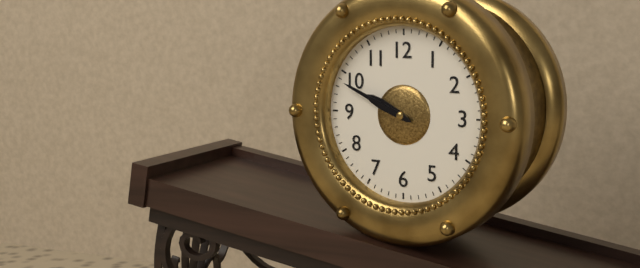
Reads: 9h49
